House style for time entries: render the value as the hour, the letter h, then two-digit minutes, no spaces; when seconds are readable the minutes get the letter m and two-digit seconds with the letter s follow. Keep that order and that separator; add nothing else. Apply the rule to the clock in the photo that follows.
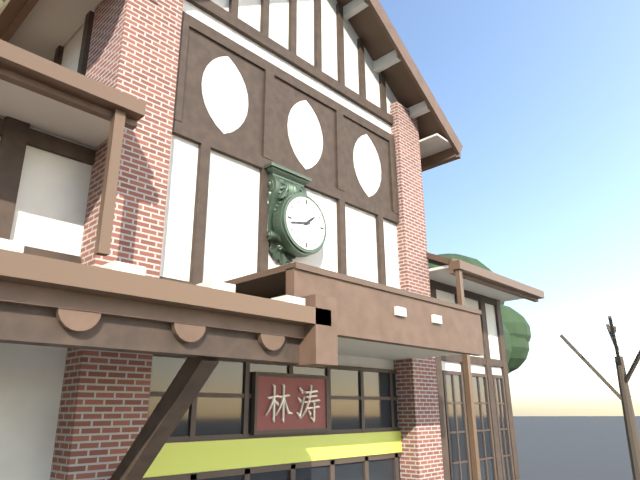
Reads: 1h43
